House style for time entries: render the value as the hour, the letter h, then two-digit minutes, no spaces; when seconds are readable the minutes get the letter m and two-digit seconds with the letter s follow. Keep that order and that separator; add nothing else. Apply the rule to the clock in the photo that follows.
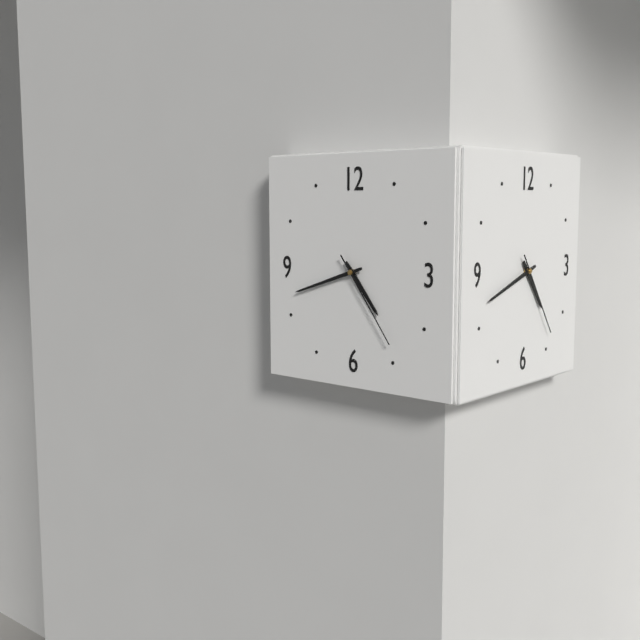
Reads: 4h42m24s
